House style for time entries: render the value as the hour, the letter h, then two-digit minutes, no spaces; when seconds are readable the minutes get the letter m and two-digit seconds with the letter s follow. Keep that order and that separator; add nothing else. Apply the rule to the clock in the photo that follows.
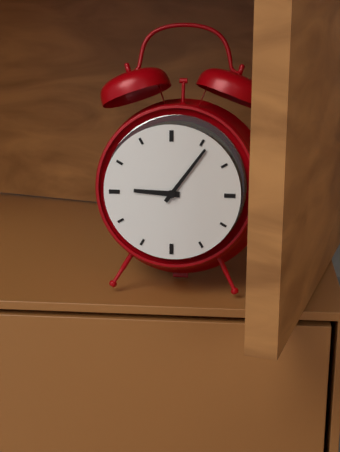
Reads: 9h06
